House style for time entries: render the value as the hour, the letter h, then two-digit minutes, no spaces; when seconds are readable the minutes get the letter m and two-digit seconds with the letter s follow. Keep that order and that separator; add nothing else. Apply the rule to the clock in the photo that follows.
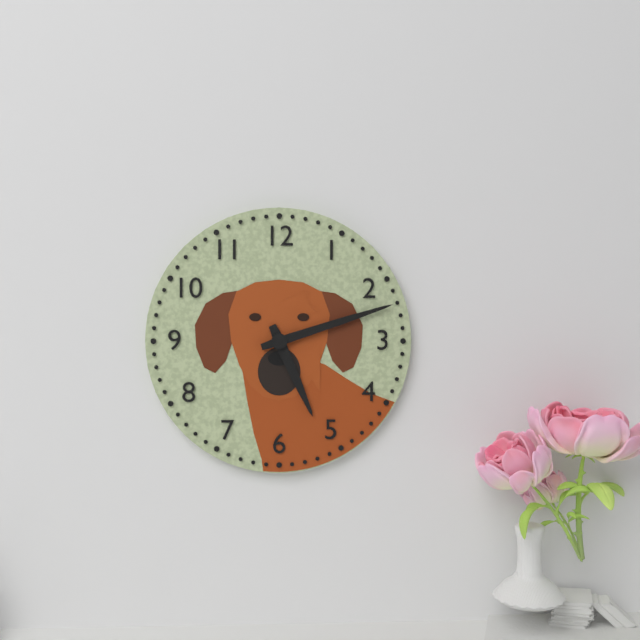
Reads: 5h12
